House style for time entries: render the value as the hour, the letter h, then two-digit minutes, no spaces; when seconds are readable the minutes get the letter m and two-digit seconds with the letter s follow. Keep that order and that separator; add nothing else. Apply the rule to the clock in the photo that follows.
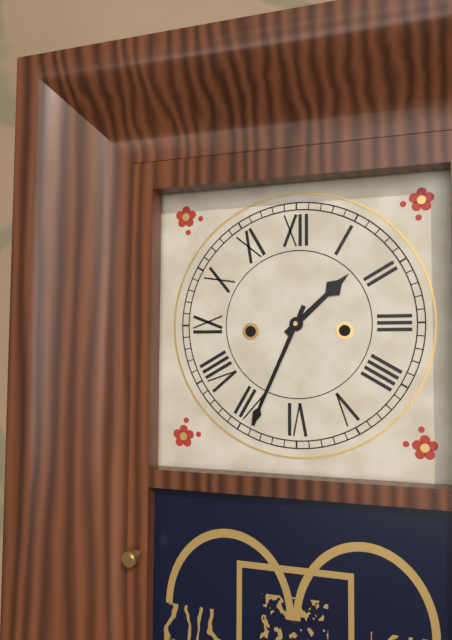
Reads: 1h34
